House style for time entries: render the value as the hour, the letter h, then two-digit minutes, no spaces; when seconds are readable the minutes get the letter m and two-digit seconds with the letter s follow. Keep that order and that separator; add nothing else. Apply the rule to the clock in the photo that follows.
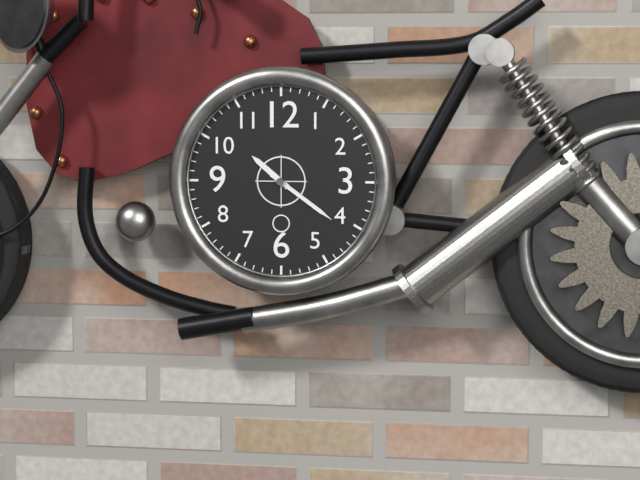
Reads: 10h21
